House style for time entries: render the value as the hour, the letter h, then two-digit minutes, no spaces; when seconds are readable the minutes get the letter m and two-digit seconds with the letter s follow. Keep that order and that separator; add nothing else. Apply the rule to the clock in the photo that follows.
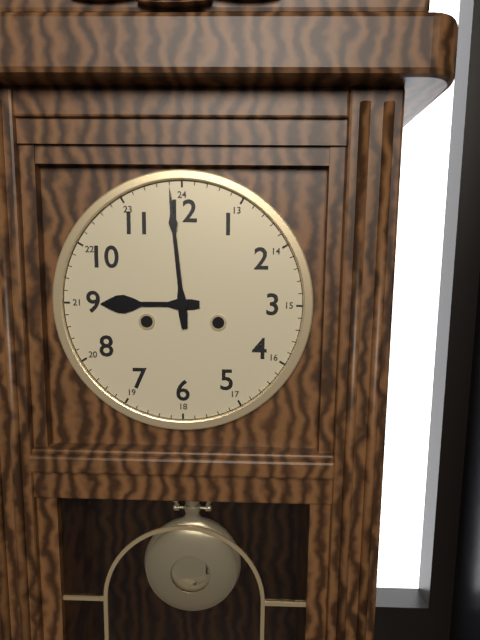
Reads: 8h59
